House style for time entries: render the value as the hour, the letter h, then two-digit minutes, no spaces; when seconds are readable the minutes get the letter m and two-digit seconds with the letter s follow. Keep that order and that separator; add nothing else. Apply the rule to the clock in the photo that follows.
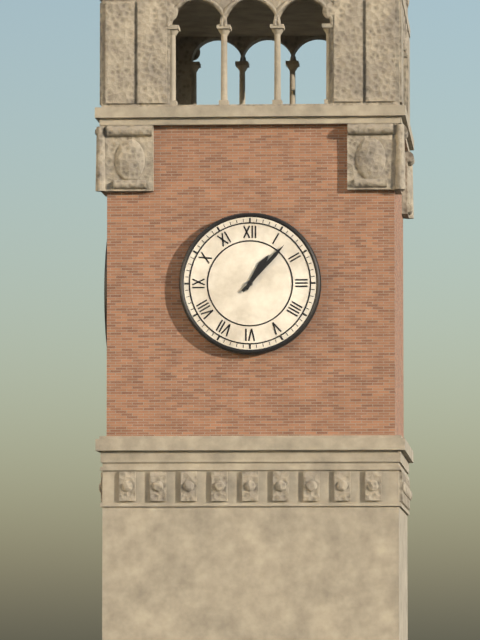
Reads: 1h07
